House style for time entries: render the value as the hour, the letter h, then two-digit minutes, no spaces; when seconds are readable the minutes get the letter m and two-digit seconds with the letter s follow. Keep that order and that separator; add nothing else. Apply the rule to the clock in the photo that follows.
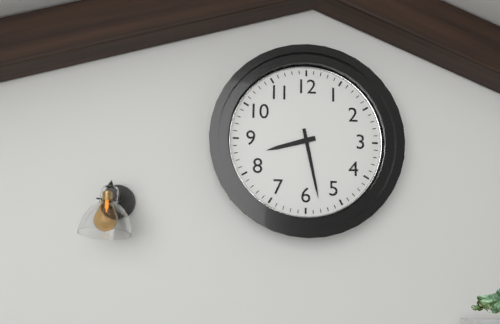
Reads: 8h28
